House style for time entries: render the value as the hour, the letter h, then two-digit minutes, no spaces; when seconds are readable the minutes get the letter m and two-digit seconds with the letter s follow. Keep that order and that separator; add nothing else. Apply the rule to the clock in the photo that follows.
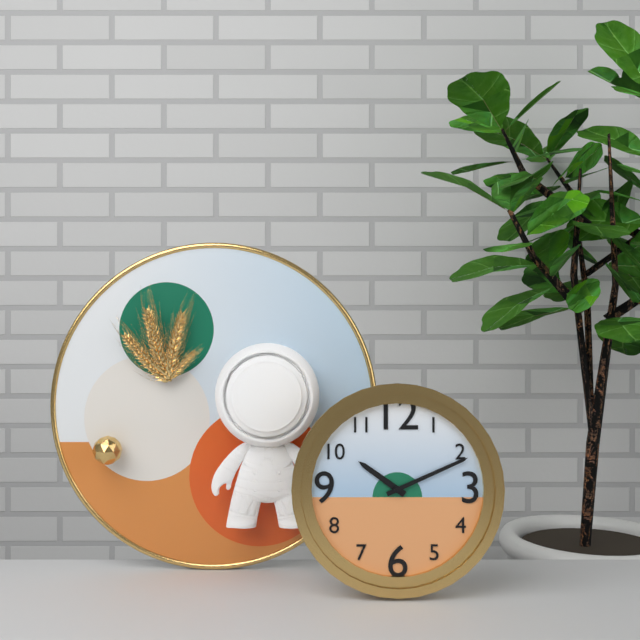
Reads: 10h11
